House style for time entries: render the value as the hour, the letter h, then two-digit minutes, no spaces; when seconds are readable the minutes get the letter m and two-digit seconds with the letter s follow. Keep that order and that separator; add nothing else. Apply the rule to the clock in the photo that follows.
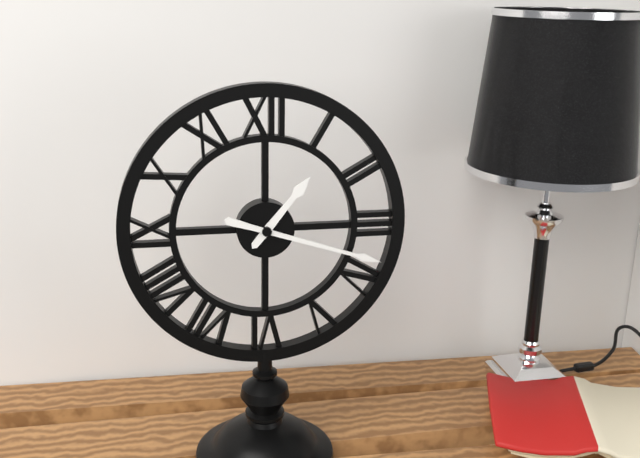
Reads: 1h18
